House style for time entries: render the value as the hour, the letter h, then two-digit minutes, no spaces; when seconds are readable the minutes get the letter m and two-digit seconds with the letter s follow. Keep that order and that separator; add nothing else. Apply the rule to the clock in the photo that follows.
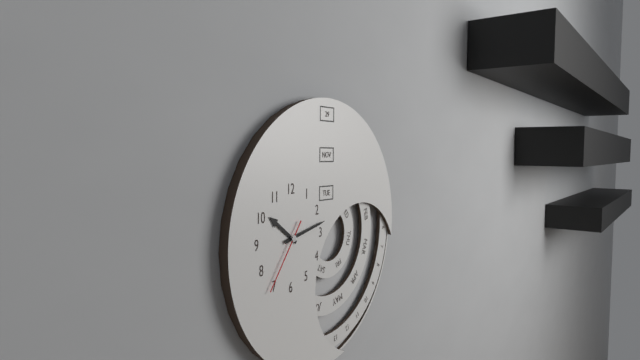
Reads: 10h13m36s
